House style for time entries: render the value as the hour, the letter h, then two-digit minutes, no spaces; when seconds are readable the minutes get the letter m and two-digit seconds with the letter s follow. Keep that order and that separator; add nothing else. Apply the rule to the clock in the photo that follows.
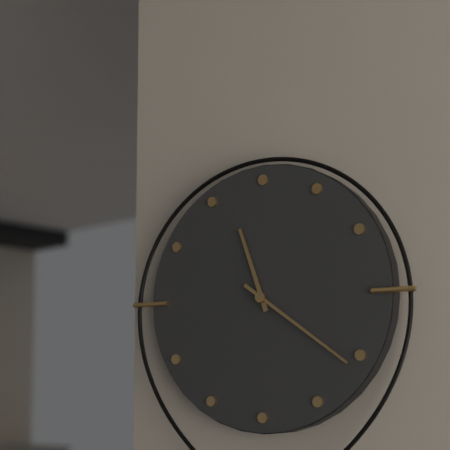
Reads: 11h21
